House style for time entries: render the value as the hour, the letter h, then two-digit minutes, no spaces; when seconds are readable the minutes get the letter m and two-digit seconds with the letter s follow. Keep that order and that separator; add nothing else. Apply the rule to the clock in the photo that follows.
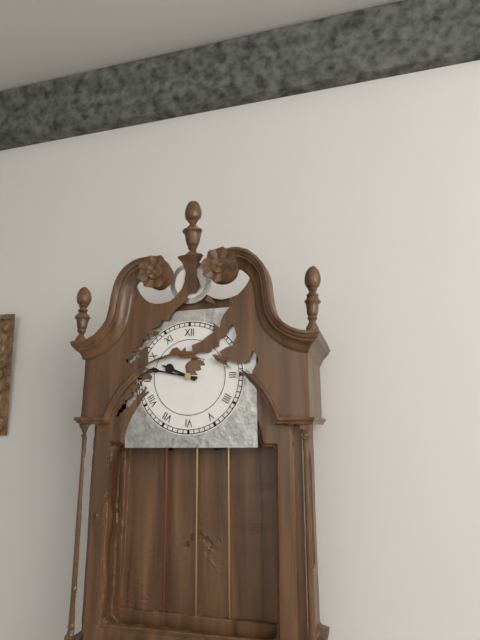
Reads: 9h47
